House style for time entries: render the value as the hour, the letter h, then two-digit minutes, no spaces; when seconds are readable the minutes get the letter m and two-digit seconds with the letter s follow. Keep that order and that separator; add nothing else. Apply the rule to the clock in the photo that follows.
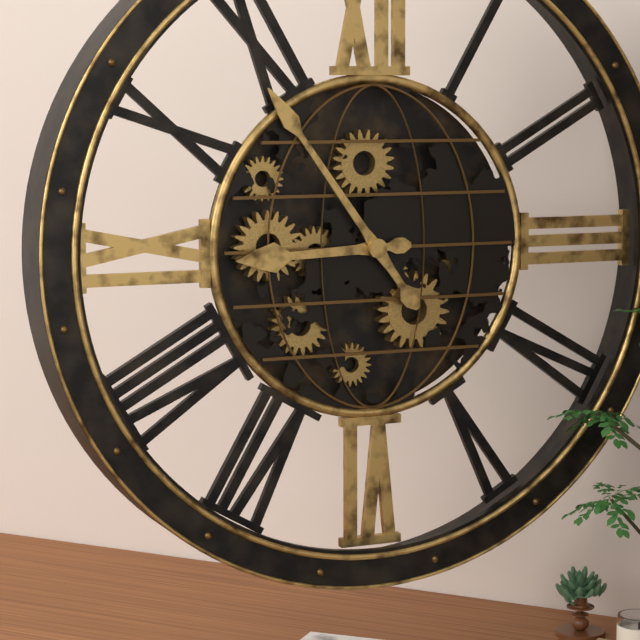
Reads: 8h54
